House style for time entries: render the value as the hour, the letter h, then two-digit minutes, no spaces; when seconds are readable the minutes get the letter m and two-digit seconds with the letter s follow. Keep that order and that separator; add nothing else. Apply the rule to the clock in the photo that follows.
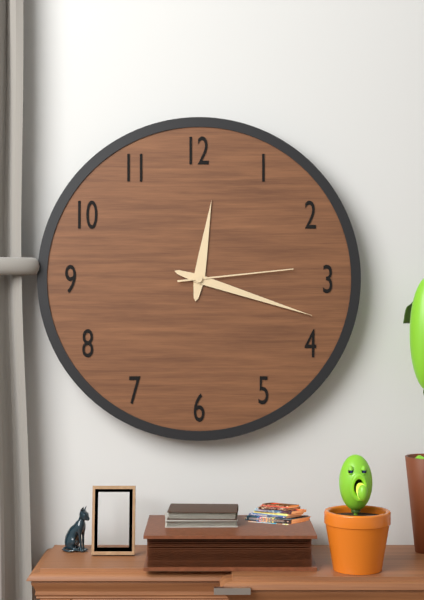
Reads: 12h18m14s
